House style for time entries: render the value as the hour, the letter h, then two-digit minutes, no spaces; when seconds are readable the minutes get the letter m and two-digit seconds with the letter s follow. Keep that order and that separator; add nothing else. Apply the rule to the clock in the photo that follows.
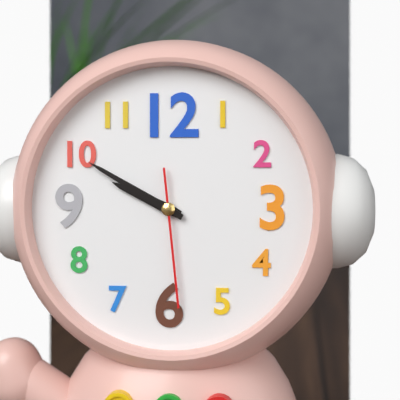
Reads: 9h50m29s
